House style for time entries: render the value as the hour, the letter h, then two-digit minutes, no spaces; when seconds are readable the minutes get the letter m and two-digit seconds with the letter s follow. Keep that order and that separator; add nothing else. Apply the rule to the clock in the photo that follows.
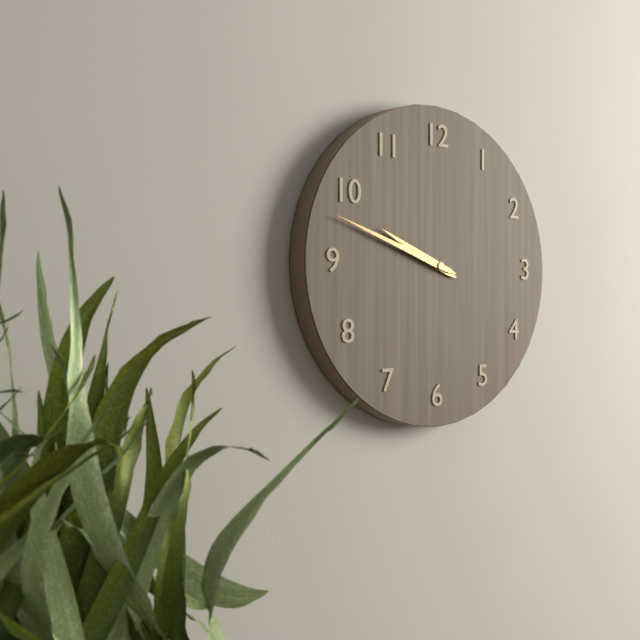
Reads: 9h48
